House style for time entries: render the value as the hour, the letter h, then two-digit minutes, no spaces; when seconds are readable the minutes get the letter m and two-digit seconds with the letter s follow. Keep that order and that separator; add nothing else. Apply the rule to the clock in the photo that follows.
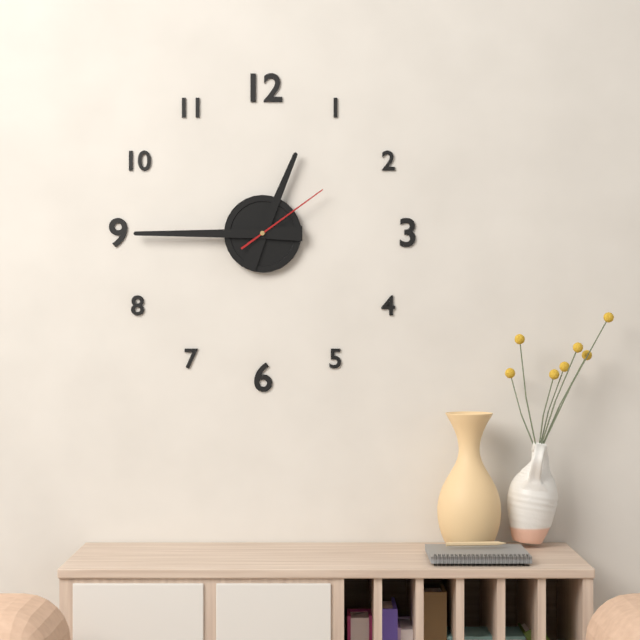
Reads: 12h45m09s
